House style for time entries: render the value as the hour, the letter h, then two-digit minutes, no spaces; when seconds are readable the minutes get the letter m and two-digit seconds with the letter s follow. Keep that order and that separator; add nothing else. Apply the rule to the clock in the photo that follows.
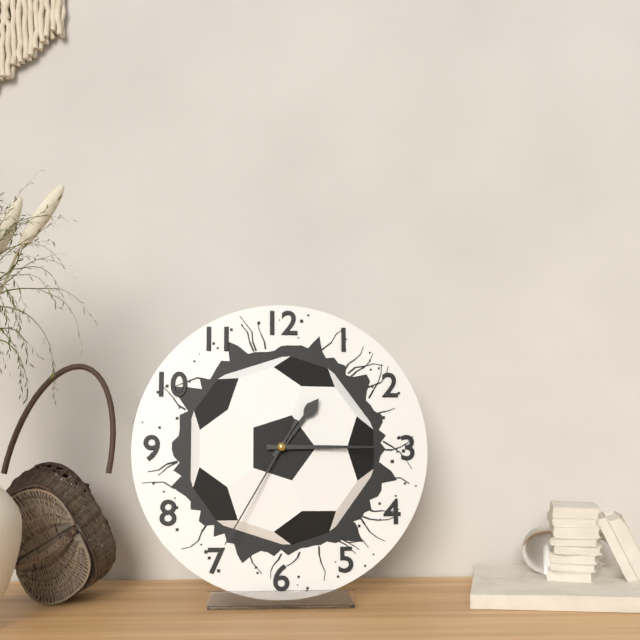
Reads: 1h15m35s
